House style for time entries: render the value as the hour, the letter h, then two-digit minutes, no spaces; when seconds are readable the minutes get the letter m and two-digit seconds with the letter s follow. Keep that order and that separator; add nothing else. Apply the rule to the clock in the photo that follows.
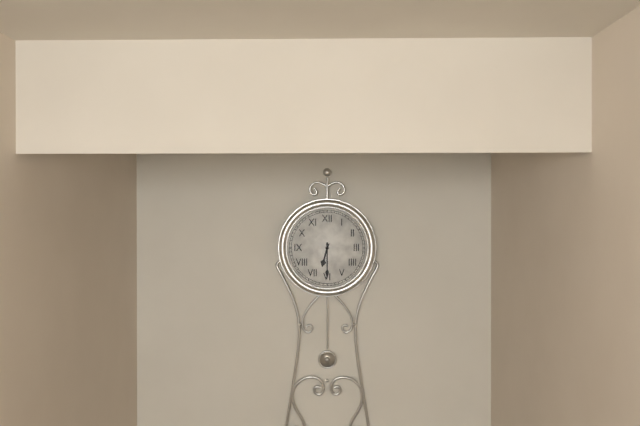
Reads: 6h30
